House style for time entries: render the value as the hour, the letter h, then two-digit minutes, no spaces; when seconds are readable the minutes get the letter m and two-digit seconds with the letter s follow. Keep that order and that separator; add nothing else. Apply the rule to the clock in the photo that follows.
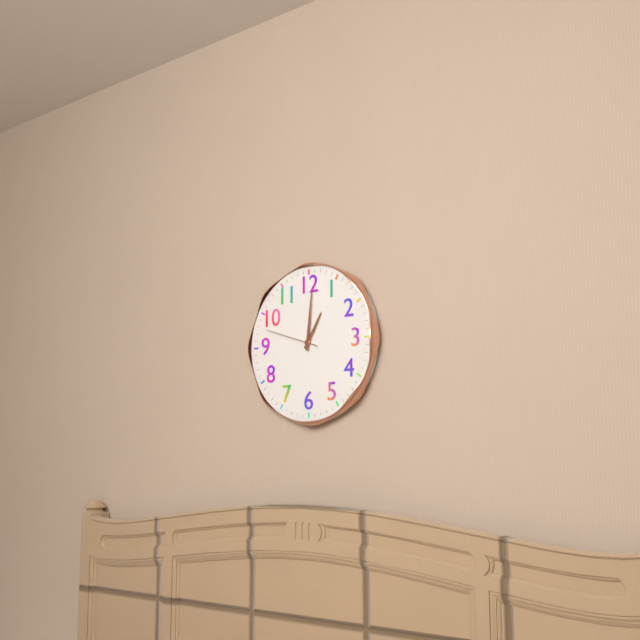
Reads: 1h01m48s
